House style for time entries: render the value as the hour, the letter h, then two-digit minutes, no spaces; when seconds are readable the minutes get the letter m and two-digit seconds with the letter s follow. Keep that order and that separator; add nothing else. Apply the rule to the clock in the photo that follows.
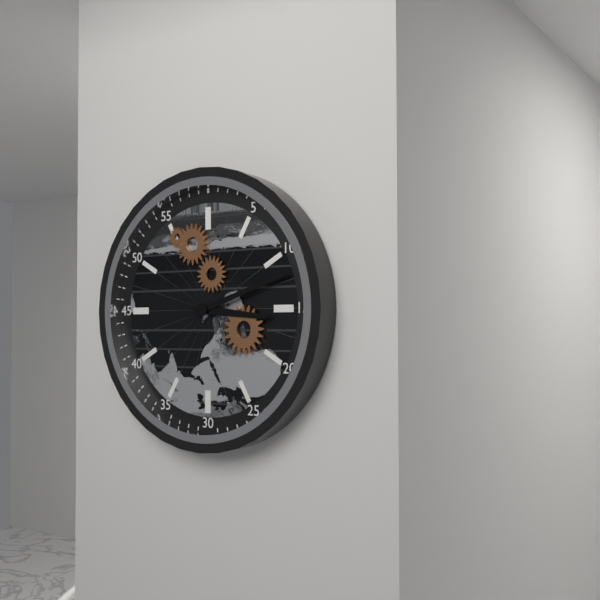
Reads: 3h12
